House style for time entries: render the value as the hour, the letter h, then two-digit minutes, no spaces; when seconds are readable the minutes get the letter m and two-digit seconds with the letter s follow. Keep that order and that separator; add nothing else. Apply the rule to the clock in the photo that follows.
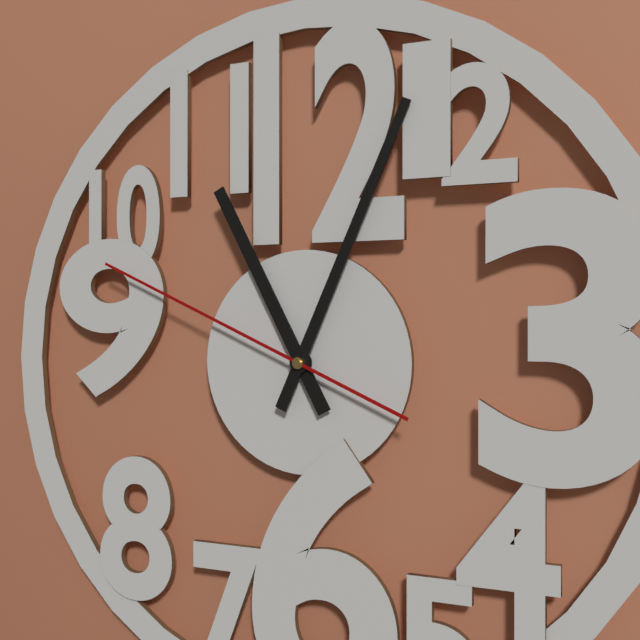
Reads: 11h04m49s
